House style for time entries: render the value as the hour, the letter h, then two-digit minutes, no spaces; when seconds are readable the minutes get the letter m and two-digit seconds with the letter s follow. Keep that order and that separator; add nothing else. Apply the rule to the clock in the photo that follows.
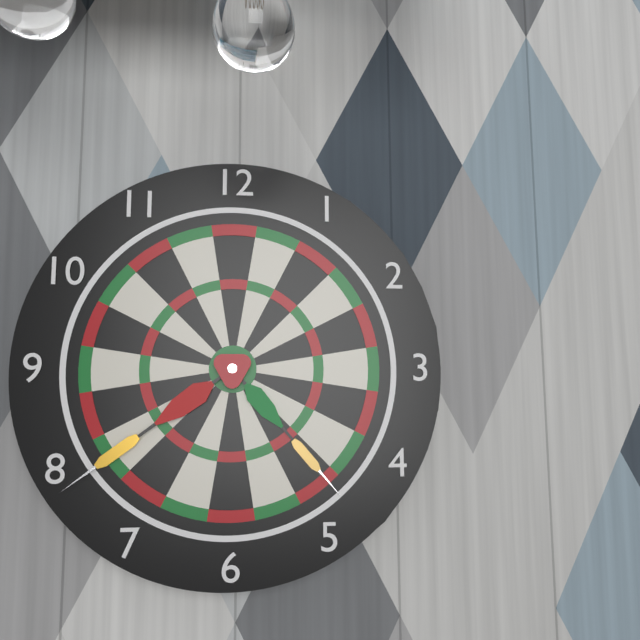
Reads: 4h39
